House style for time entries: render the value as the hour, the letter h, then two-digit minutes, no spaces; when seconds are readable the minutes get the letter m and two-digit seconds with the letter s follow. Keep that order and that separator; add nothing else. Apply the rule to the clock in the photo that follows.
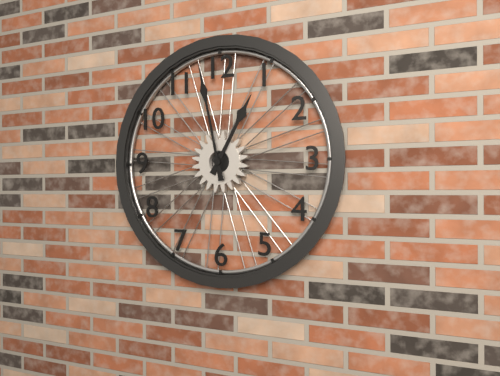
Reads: 12h58
